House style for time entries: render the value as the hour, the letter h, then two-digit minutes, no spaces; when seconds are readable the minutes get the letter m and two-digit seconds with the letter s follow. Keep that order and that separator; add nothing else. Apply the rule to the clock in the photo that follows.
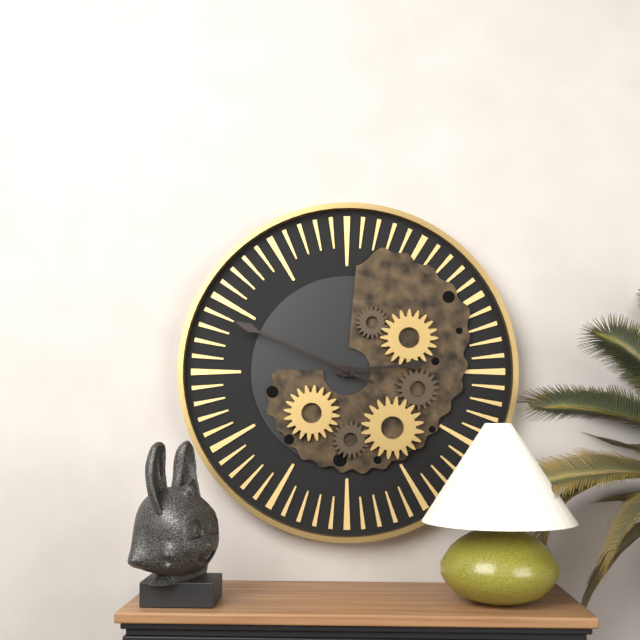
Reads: 2h49
